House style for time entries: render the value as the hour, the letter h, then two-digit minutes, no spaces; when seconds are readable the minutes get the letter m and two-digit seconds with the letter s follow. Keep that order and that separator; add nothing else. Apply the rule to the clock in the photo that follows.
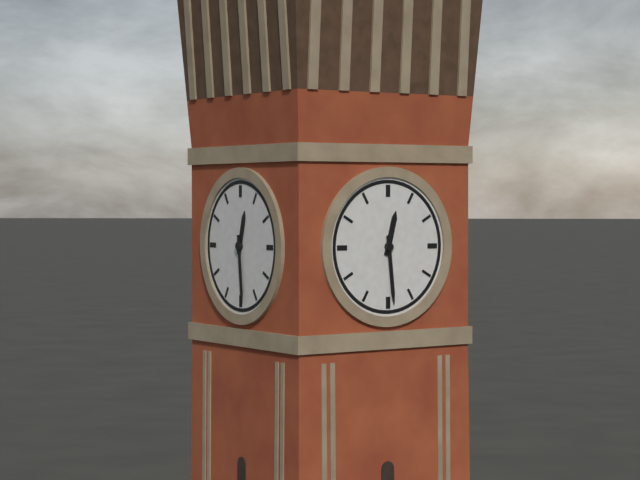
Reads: 12h29
